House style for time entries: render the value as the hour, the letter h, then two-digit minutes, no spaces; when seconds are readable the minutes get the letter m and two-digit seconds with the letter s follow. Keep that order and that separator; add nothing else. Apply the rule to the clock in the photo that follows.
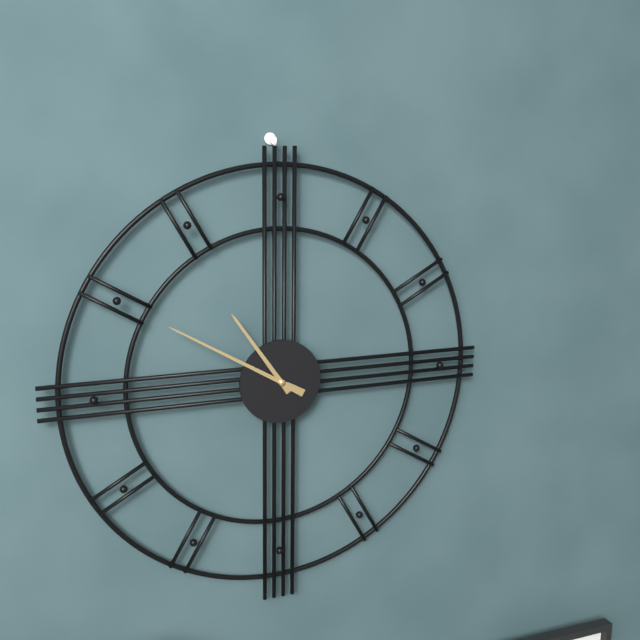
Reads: 10h50
